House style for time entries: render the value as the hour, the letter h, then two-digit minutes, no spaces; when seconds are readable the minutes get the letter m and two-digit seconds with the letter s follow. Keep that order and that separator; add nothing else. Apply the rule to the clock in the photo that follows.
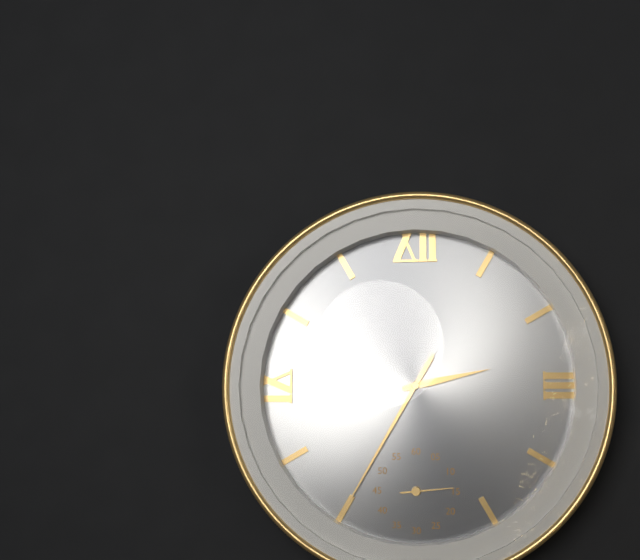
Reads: 2h35
